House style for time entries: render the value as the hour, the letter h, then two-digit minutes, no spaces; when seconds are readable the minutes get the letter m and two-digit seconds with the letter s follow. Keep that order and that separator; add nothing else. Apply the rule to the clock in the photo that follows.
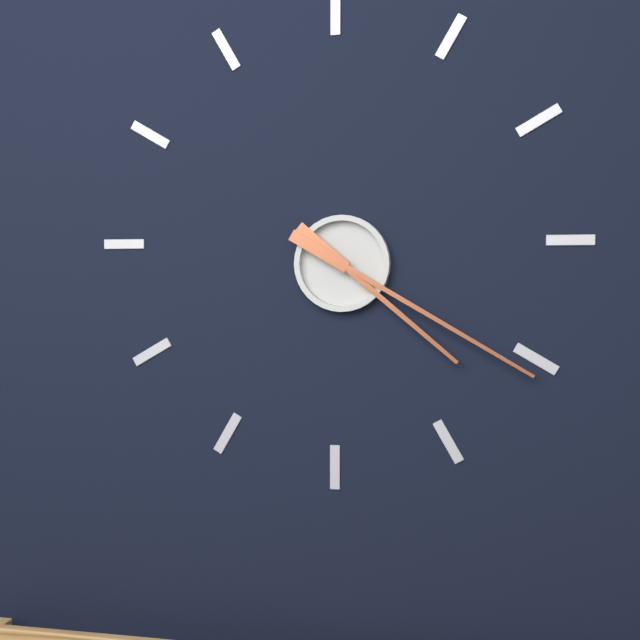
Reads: 4h20
